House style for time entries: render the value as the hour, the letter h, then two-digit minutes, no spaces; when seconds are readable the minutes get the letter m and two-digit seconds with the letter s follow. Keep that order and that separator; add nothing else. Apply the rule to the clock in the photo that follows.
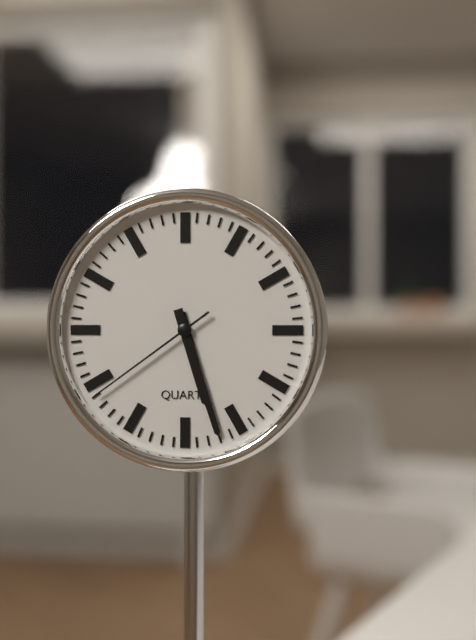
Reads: 5h27m39s
